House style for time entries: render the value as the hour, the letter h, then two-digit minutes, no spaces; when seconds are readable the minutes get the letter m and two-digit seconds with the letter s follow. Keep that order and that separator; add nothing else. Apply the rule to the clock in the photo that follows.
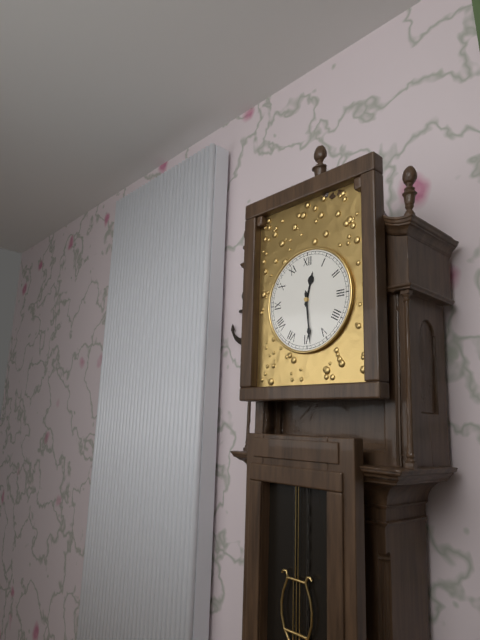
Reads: 12h29
